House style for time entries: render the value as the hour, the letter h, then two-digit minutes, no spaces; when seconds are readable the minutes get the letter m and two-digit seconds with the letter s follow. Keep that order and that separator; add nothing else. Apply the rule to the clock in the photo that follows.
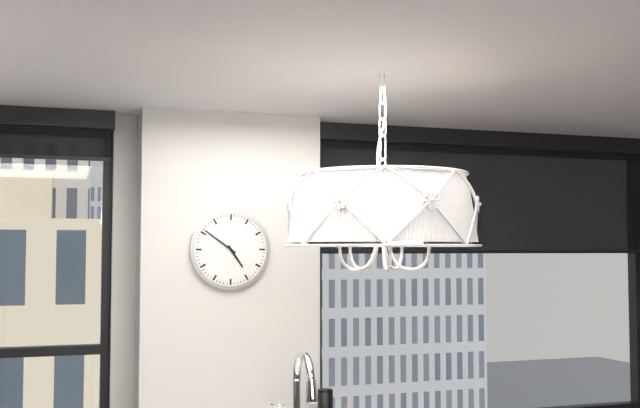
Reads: 4h51
